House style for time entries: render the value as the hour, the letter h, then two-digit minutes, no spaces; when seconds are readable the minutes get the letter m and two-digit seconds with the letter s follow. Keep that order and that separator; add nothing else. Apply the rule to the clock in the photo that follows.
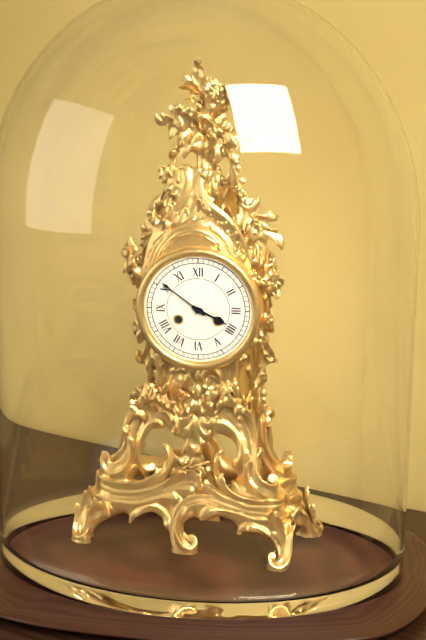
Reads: 3h51
